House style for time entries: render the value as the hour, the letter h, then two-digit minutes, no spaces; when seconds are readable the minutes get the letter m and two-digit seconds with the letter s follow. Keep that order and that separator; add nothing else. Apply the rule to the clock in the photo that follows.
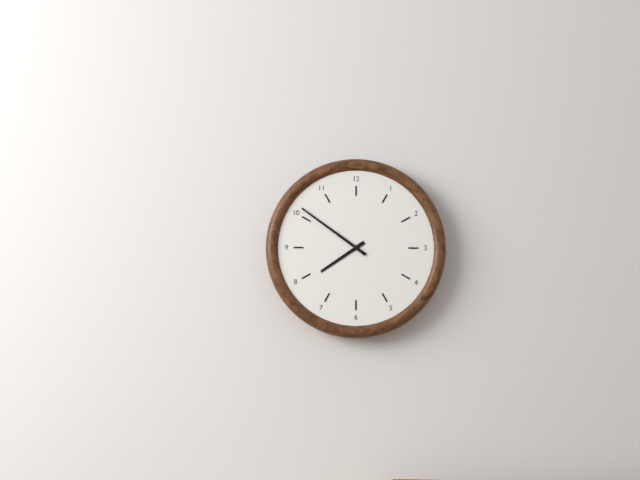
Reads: 7h51
